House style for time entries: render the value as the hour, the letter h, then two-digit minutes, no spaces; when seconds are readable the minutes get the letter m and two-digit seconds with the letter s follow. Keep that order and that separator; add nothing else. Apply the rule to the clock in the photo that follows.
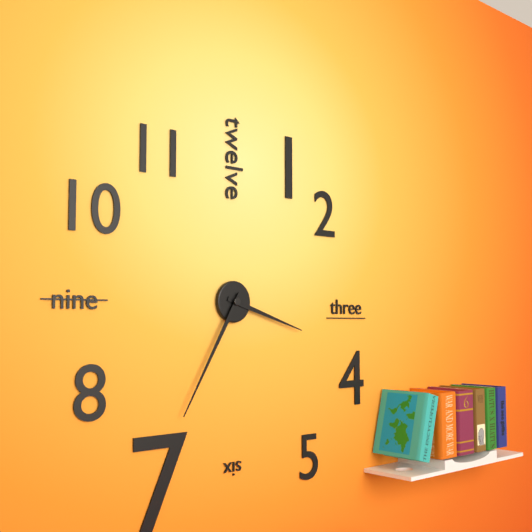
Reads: 3h35
